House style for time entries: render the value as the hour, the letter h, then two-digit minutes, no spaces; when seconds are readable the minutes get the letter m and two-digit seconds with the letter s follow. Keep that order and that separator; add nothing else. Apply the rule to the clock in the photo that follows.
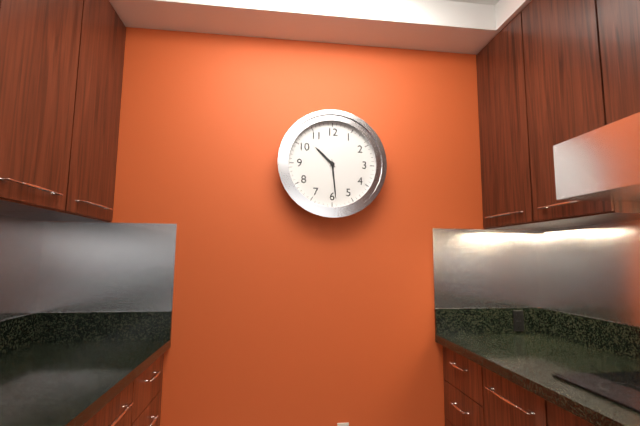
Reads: 10h29
